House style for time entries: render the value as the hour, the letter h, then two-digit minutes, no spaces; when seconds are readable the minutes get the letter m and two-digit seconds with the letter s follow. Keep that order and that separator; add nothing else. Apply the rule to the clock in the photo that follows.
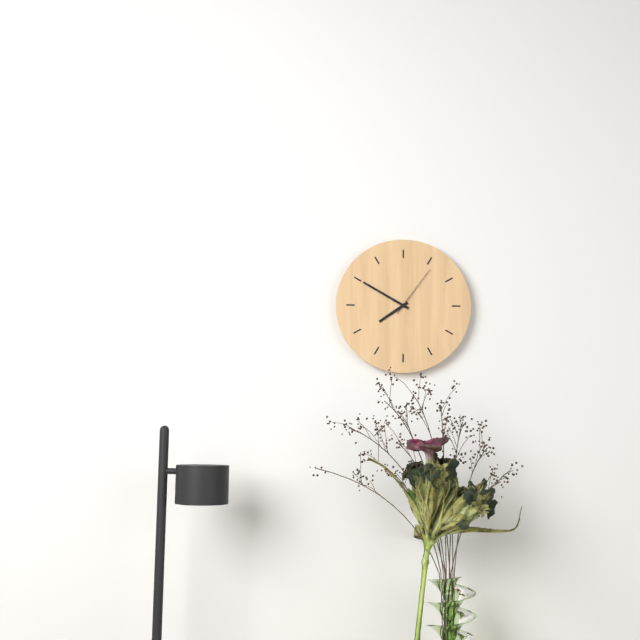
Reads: 7h50m06s
